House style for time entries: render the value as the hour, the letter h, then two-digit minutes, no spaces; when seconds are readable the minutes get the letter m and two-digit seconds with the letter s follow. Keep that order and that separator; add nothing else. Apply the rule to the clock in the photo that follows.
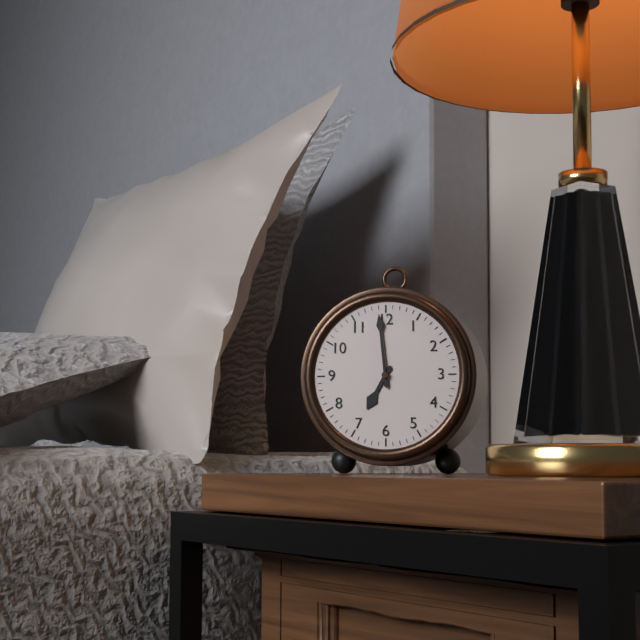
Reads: 6h59
